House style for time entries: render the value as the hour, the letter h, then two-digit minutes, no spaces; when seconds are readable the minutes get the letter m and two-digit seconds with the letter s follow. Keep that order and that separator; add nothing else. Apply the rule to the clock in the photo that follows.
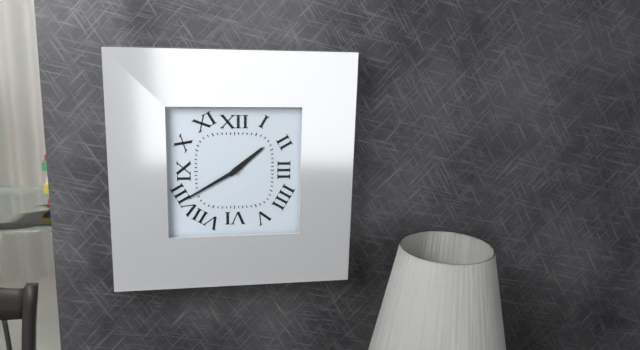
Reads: 1h40
